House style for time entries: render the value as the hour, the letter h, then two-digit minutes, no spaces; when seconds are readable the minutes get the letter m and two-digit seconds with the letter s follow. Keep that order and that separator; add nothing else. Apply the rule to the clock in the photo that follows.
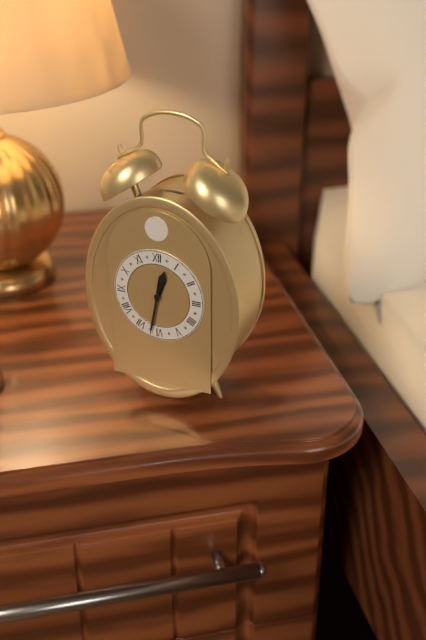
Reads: 12h32
